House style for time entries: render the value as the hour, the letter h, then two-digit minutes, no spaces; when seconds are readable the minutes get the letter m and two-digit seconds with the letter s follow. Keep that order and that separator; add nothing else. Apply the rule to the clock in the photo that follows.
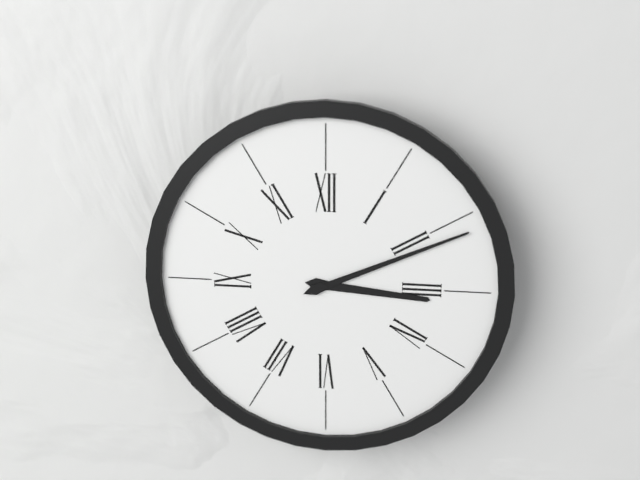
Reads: 3h11
